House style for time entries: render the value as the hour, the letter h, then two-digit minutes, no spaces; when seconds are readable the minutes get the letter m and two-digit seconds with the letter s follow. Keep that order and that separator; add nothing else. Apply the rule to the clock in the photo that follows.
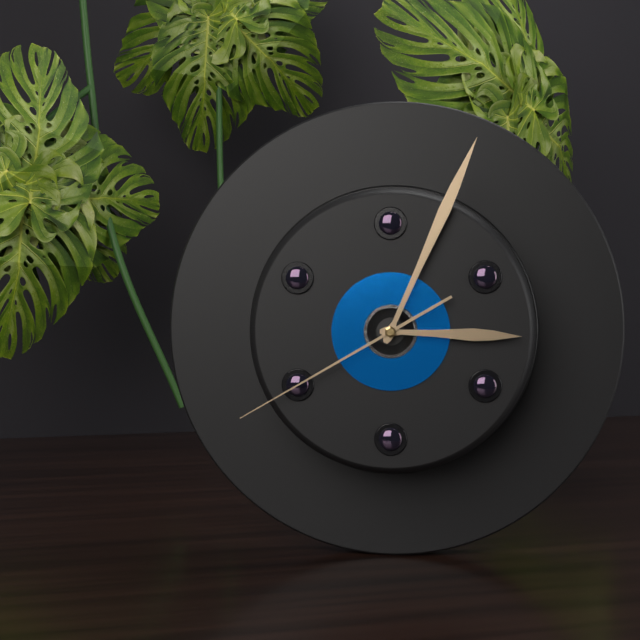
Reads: 3h04m40s
